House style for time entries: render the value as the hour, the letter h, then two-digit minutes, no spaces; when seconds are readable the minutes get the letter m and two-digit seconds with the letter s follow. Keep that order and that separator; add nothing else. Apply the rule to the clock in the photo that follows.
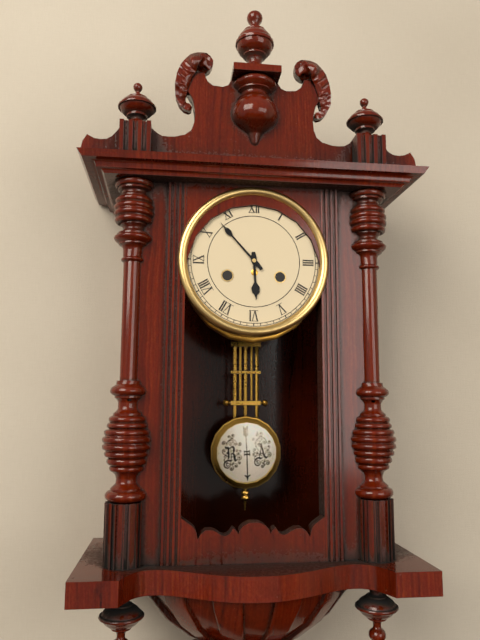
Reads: 5h53
